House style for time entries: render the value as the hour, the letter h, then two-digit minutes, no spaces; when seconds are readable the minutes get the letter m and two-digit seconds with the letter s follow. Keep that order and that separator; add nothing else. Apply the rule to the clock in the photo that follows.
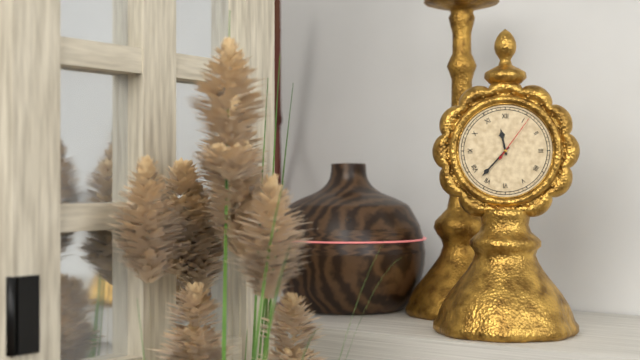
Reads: 11h37m06s
